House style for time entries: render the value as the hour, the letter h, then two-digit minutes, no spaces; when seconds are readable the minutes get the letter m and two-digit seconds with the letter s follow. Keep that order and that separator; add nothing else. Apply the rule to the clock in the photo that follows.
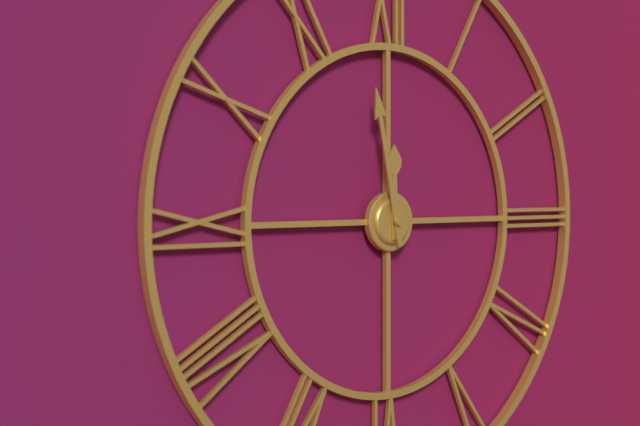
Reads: 11h58
